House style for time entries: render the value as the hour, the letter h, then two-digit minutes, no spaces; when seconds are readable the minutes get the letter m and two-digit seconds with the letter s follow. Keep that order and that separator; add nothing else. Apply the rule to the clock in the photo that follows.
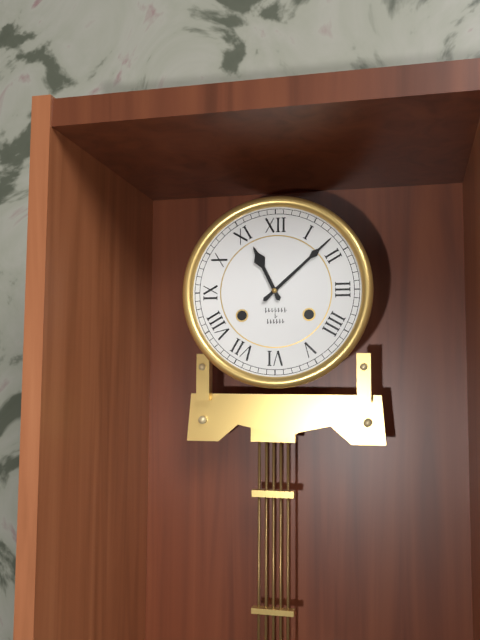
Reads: 11h08
